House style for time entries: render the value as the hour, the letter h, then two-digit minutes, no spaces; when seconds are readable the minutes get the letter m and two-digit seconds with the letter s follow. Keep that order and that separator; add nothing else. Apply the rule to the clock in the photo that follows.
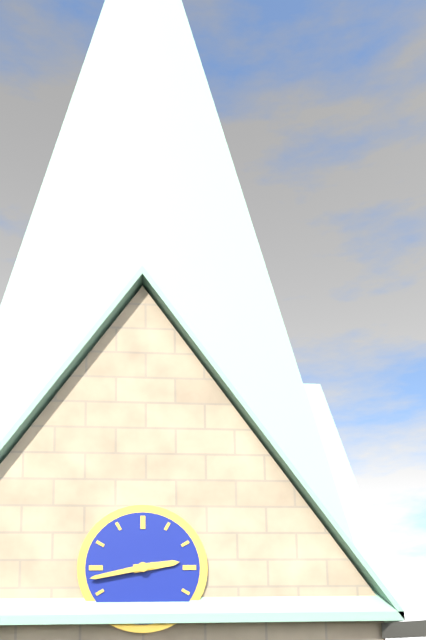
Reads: 2h43
